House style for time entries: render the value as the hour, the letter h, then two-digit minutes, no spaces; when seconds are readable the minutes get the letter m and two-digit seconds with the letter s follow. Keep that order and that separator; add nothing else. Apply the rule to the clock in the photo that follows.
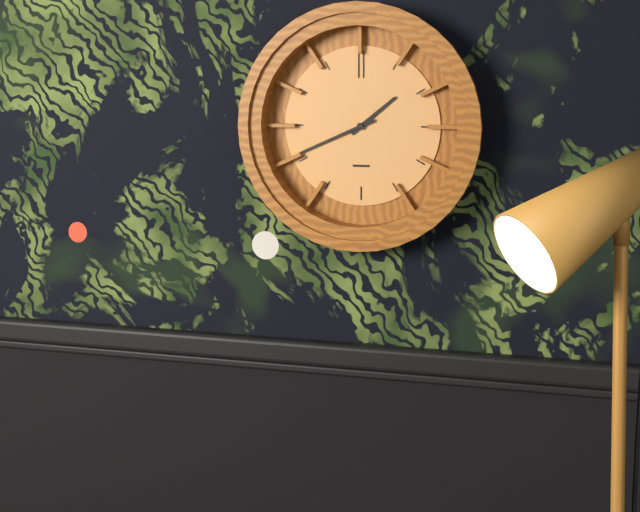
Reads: 1h41
